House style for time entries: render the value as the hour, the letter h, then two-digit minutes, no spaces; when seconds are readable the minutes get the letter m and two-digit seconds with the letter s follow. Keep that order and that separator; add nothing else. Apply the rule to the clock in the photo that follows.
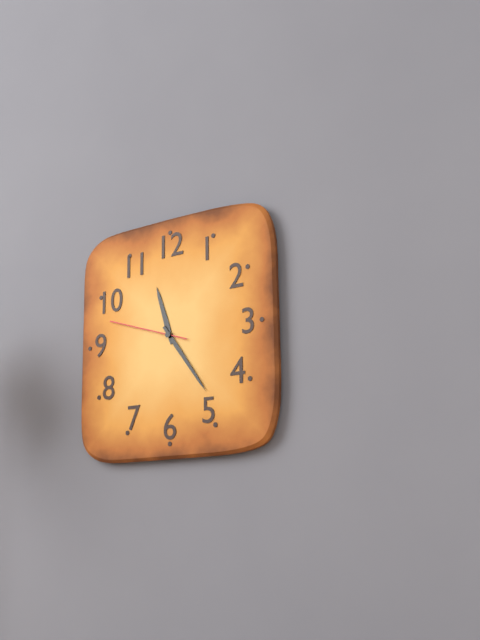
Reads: 11h24m48s
